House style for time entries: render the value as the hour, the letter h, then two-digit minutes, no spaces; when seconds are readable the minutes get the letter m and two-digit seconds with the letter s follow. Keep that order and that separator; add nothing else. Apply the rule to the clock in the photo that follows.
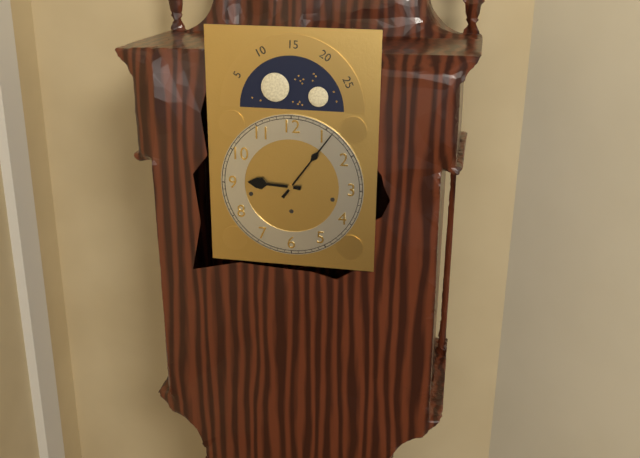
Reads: 9h06
